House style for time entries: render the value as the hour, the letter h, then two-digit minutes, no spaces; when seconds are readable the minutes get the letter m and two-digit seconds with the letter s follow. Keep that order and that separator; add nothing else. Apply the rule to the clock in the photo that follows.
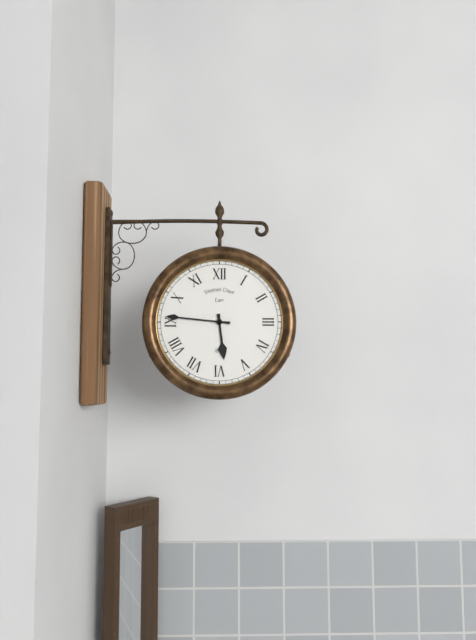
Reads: 5h46
